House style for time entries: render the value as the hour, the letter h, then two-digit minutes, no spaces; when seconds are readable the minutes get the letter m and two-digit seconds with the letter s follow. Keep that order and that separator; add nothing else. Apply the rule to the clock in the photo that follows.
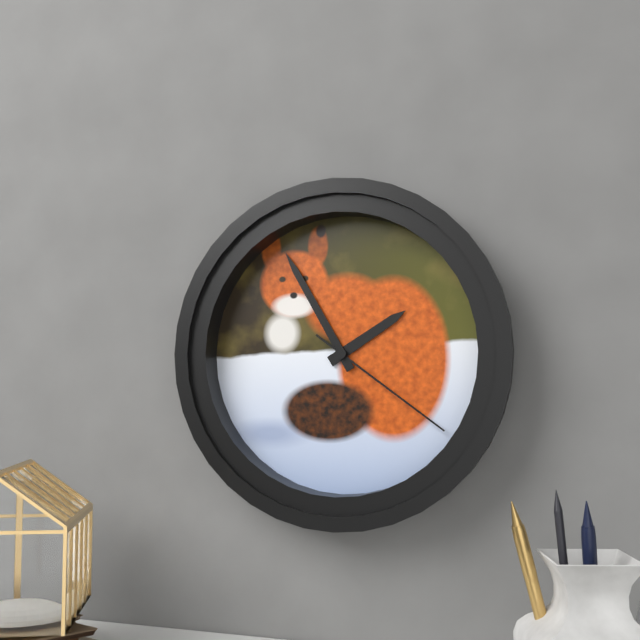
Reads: 1h55m21s
